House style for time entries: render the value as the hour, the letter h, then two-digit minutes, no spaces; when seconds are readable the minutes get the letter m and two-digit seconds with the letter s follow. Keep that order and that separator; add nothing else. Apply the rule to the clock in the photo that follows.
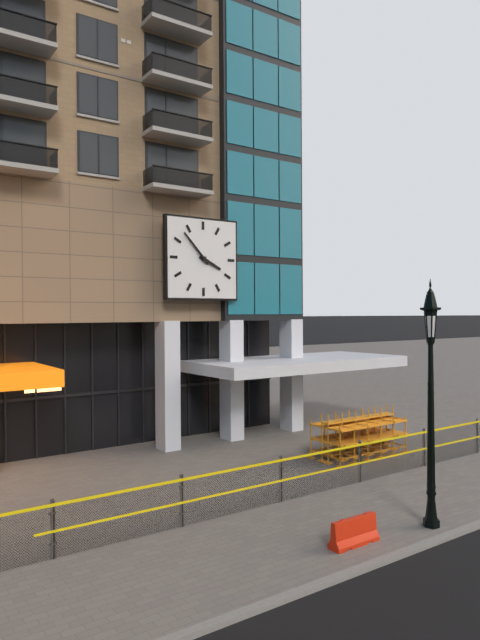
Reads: 3h53
